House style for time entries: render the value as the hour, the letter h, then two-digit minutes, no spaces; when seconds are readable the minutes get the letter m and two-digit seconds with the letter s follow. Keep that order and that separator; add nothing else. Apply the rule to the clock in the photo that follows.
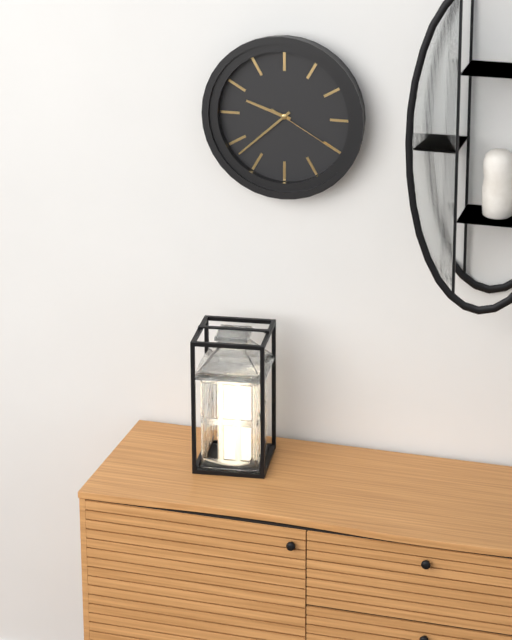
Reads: 9h38m20s
